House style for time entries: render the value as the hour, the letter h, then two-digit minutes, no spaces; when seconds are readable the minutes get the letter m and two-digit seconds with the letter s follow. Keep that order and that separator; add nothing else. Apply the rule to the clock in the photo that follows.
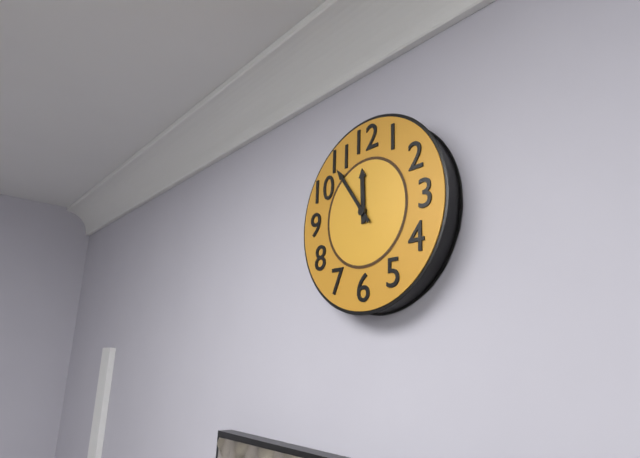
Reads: 11h54
